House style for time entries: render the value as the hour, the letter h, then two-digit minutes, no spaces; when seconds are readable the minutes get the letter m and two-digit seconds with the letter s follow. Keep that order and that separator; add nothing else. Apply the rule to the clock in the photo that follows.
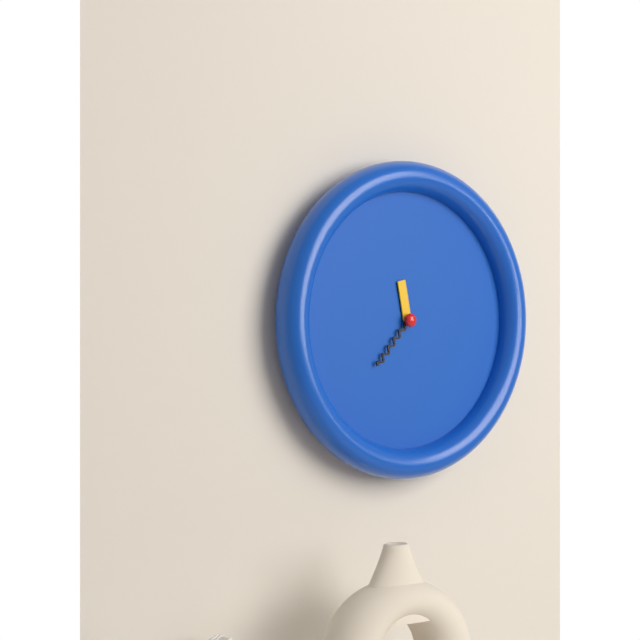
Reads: 11h37
